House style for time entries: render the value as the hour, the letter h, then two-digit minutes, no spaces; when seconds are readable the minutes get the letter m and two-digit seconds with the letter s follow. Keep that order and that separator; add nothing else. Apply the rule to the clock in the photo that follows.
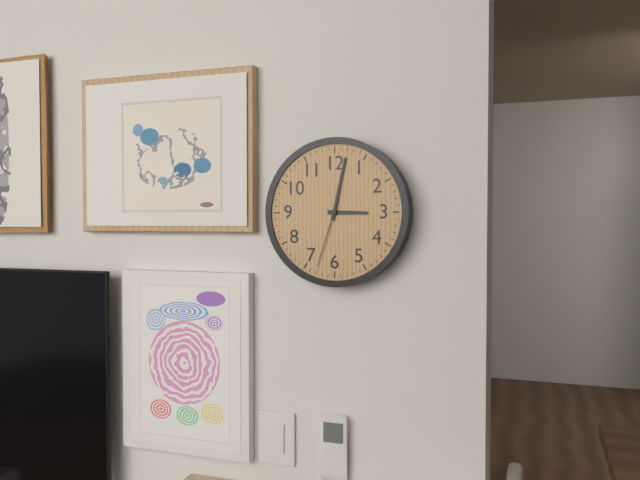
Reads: 3h02m33s
